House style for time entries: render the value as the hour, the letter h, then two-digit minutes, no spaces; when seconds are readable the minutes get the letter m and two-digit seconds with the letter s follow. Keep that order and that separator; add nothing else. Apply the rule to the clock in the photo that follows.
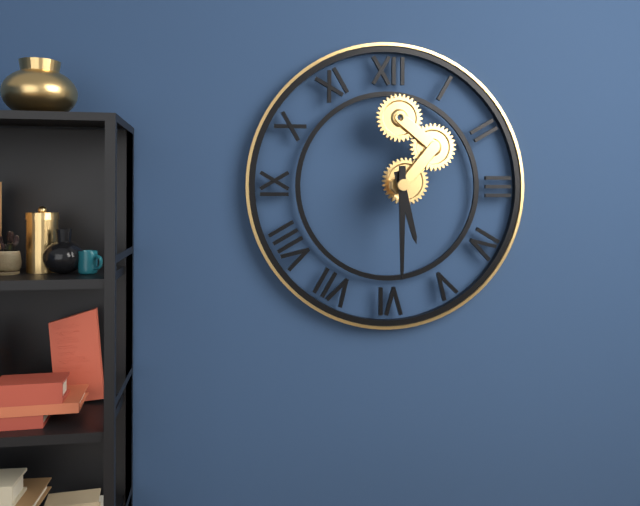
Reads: 5h30
